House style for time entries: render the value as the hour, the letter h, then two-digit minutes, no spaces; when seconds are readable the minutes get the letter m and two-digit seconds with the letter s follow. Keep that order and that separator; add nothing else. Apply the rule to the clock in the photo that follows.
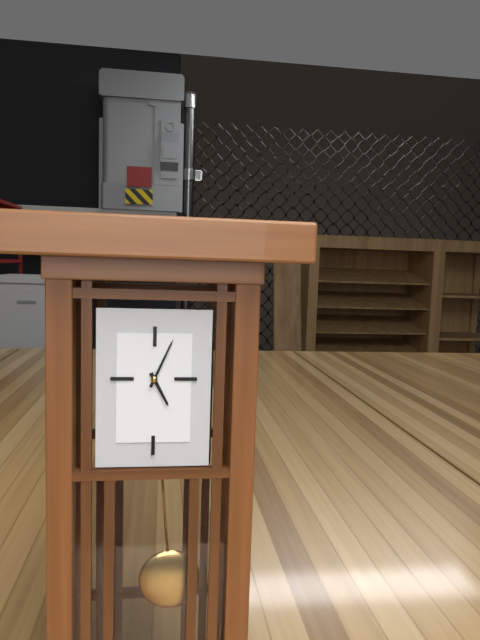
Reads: 5h04
